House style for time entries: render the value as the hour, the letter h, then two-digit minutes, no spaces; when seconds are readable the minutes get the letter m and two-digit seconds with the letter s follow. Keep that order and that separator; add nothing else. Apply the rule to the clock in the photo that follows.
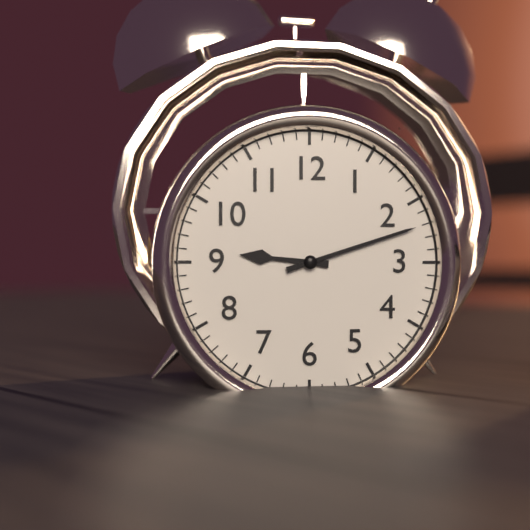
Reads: 9h12
